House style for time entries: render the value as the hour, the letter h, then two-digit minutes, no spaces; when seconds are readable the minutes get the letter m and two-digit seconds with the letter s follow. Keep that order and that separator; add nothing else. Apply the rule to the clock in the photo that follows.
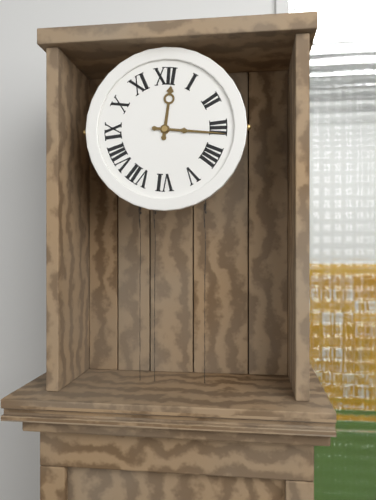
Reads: 12h16
